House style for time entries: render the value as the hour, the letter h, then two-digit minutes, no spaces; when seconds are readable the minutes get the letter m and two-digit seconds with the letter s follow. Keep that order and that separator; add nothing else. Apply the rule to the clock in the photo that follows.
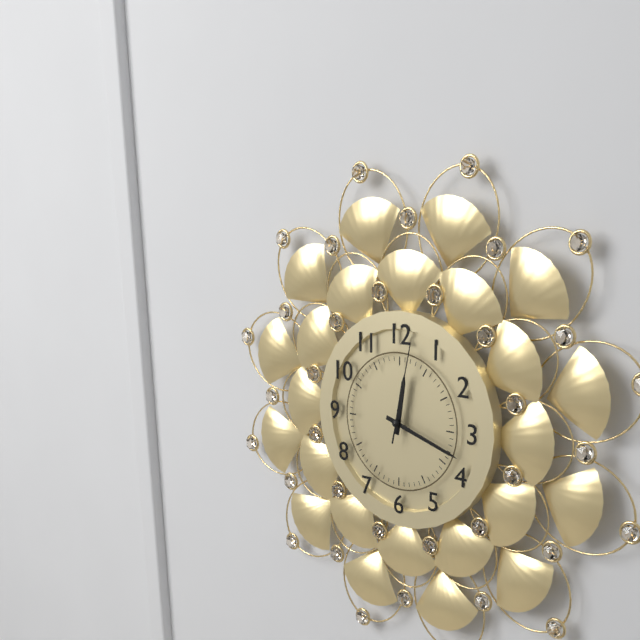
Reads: 12h18m02s
